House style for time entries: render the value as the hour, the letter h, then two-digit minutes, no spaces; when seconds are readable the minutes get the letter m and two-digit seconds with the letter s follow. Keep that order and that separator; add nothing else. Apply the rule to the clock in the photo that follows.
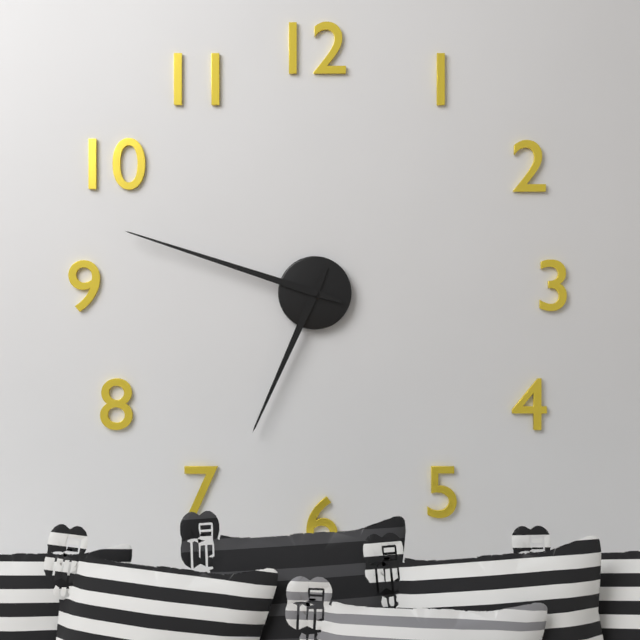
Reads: 6h48
